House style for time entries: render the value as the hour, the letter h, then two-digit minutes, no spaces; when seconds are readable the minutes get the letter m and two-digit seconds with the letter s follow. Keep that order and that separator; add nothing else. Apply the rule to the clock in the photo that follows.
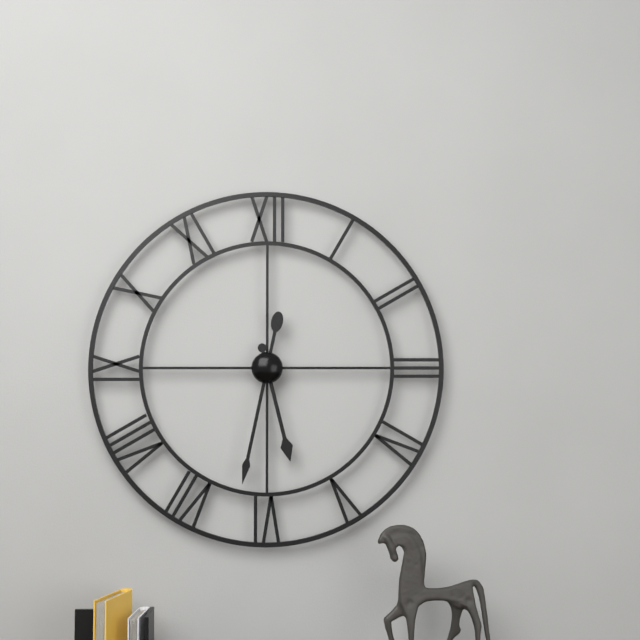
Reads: 5h32
